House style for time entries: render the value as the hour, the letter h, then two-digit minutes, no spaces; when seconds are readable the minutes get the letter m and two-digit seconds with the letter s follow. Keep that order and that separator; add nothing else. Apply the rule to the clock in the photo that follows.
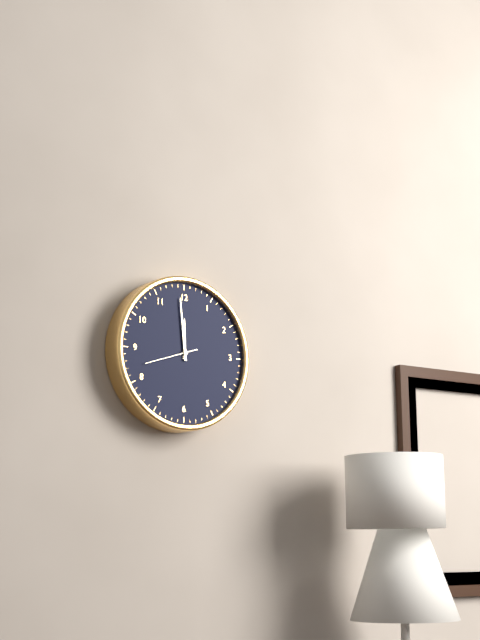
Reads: 11h59m42s
